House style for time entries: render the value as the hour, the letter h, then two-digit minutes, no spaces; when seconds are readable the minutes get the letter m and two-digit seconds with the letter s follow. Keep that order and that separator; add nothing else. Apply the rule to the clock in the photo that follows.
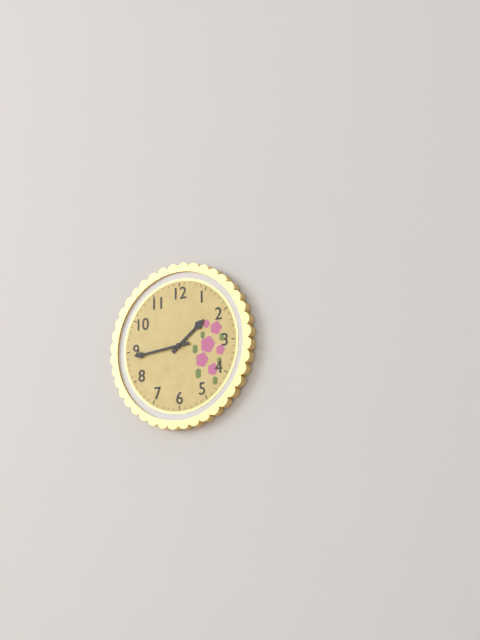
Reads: 1h44
